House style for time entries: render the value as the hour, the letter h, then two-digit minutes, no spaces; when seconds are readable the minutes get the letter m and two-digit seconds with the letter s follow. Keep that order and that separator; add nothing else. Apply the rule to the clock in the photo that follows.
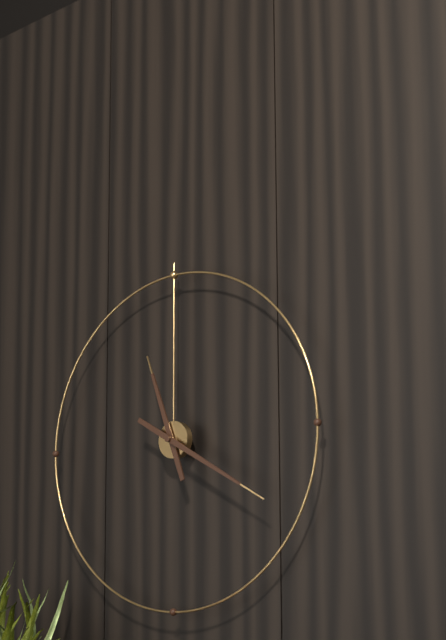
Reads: 11h20
